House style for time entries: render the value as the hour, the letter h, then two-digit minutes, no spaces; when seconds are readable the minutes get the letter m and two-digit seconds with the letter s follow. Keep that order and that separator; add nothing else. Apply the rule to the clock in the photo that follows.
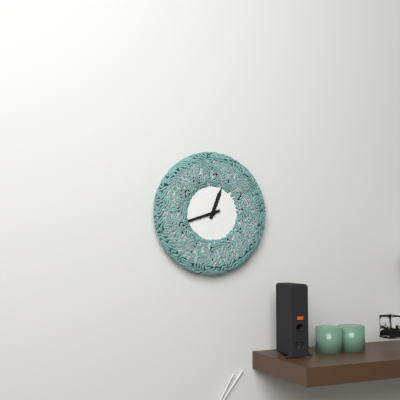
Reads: 12h42
